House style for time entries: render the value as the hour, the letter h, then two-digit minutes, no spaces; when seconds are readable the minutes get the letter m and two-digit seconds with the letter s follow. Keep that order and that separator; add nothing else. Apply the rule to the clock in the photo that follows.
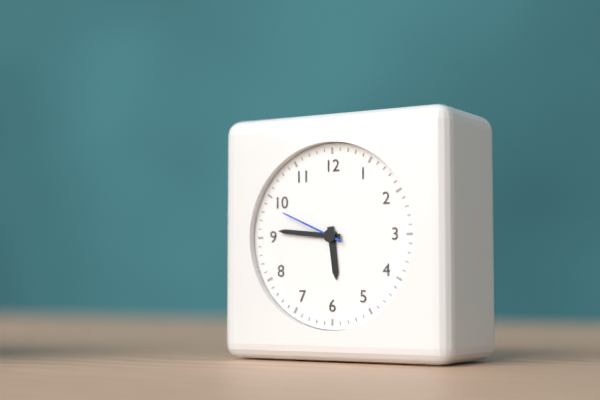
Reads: 5h46m49s
